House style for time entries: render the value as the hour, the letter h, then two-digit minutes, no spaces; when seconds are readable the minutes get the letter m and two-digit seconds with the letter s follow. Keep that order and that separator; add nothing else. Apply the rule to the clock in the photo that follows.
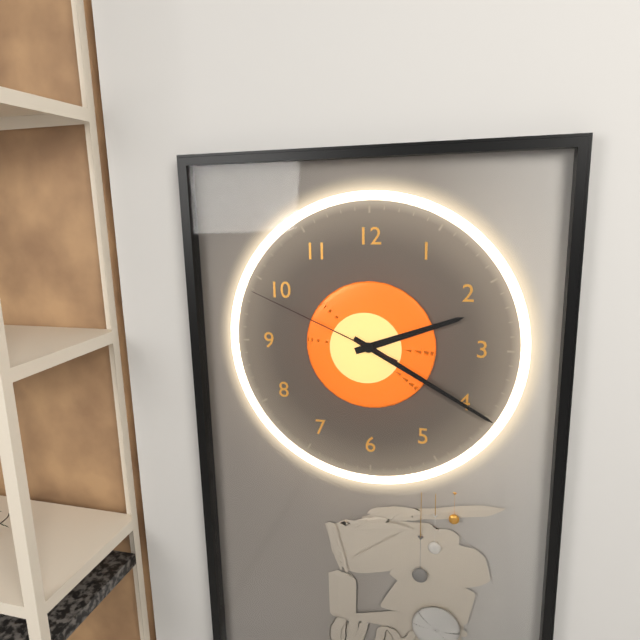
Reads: 2h20m49s
